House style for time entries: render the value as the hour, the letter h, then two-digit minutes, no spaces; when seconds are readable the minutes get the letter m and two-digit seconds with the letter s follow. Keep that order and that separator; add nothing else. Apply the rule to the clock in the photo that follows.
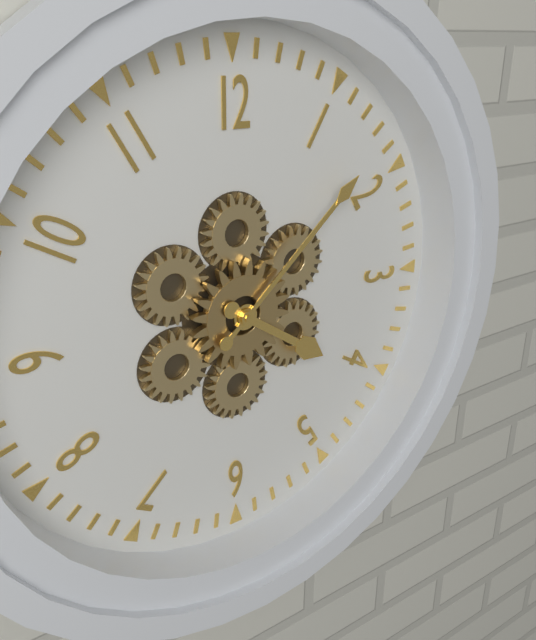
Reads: 4h08
